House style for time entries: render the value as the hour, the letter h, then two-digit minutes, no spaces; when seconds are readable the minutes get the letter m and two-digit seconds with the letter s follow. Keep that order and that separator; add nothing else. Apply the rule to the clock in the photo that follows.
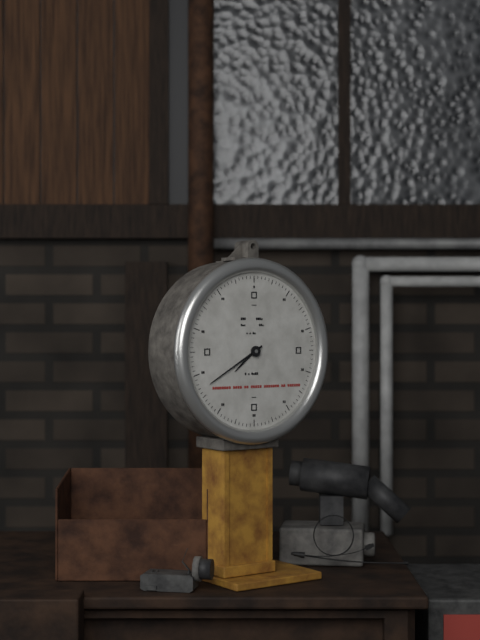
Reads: 7h40
